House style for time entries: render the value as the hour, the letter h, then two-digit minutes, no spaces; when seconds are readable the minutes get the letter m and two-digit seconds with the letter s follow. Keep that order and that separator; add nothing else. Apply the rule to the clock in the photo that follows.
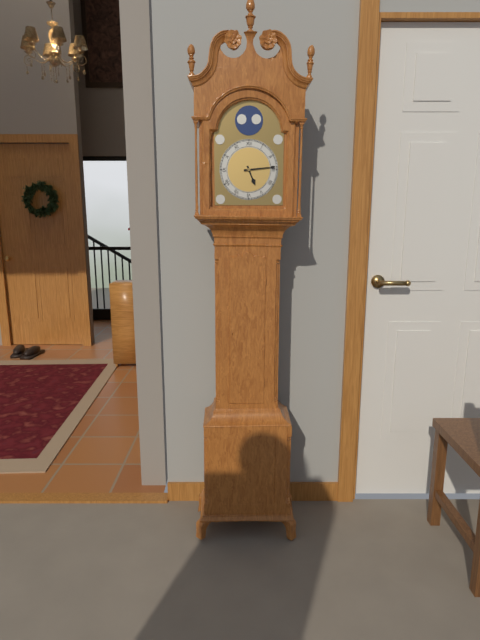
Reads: 5h14
